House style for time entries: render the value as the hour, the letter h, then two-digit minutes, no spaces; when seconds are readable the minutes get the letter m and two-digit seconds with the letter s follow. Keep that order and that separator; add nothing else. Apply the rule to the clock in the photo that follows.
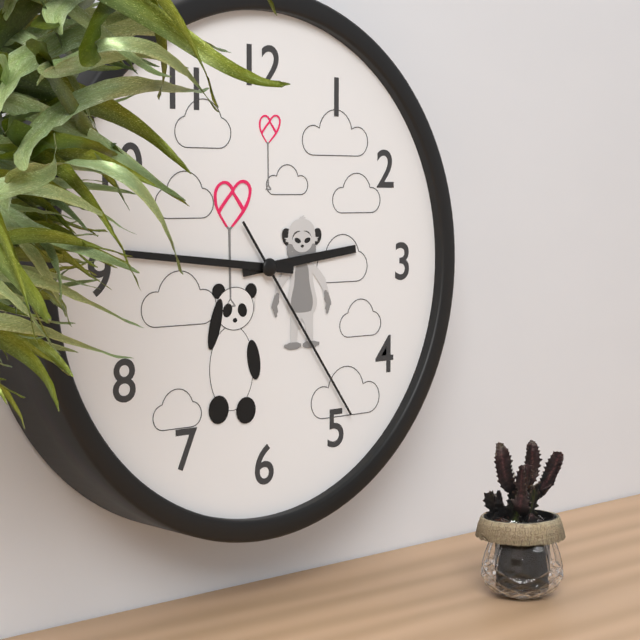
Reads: 2h46m24s
